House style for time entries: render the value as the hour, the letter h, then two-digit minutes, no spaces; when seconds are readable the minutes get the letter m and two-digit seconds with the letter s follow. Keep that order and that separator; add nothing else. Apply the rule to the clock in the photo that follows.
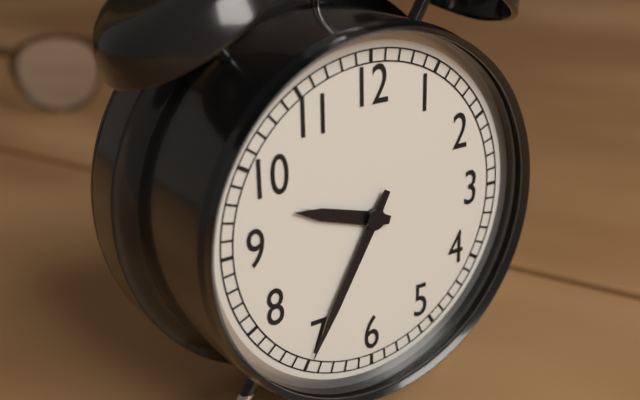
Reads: 9h35
